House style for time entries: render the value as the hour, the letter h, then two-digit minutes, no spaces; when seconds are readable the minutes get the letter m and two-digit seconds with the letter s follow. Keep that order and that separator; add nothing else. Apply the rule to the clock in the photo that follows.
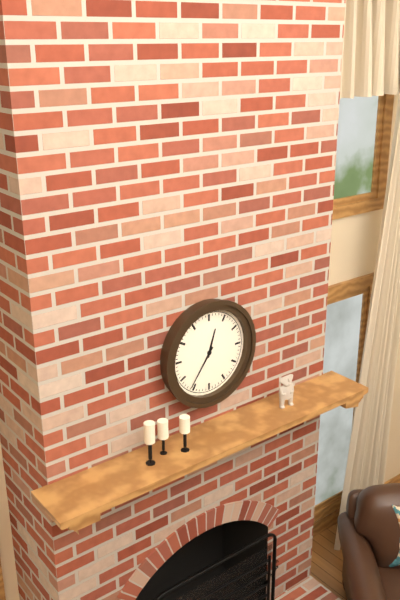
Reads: 12h36
